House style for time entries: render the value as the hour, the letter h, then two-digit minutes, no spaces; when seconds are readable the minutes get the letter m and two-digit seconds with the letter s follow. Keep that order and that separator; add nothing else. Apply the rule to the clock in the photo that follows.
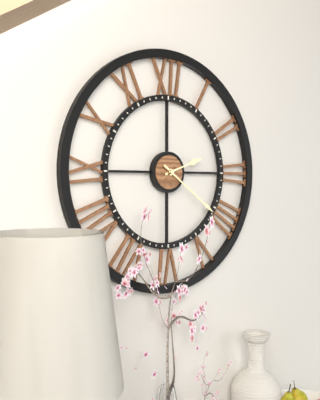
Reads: 2h21
